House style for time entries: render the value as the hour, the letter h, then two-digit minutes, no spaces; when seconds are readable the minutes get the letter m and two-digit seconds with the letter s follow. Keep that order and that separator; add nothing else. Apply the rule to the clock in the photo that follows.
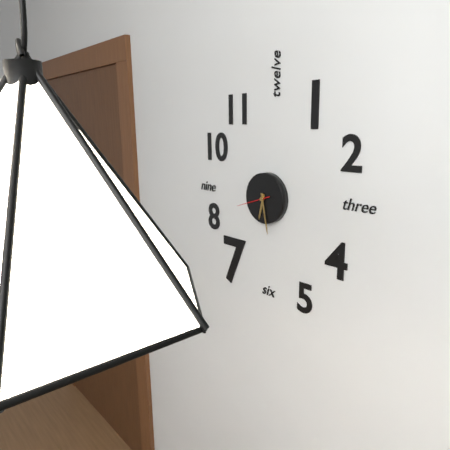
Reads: 6h28
